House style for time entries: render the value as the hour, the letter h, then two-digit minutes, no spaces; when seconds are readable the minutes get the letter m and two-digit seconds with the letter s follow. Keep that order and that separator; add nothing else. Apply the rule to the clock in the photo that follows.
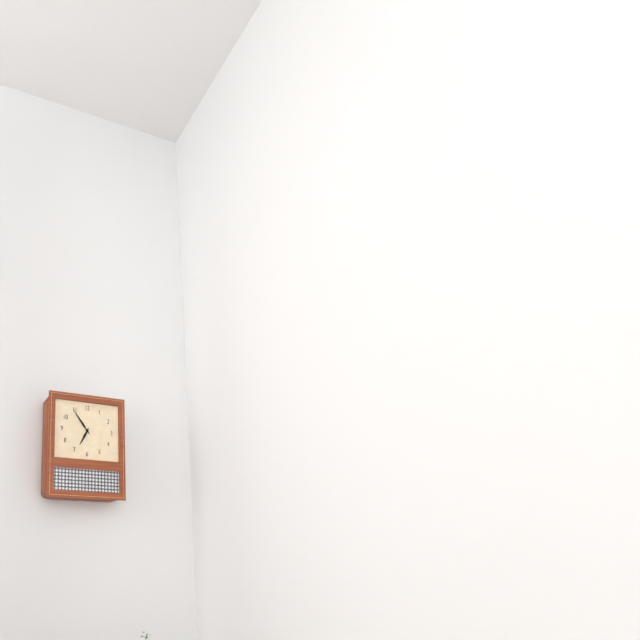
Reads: 6h54
